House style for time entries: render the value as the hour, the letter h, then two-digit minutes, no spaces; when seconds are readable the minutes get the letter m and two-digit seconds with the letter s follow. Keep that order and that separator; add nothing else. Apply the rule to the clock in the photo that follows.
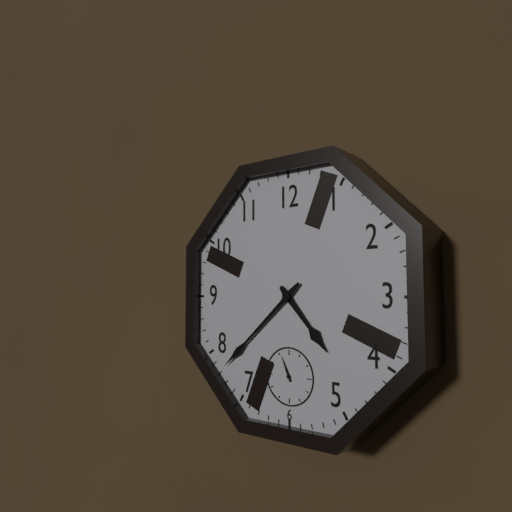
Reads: 4h38
